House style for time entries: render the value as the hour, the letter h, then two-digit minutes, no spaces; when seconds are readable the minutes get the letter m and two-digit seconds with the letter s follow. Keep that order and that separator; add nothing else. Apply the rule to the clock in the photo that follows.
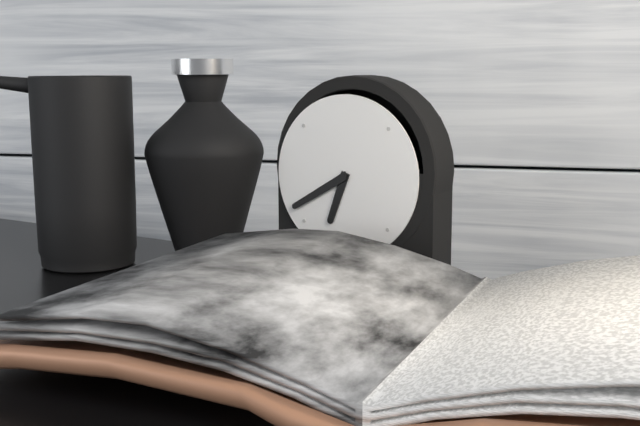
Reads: 6h40
